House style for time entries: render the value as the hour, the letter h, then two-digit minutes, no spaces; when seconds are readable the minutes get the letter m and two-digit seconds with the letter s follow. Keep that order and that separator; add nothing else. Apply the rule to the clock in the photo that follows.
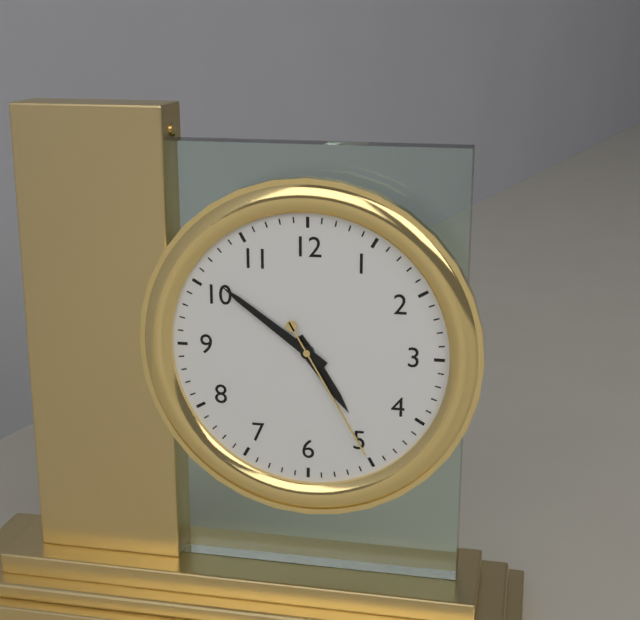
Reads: 4h51m25s
